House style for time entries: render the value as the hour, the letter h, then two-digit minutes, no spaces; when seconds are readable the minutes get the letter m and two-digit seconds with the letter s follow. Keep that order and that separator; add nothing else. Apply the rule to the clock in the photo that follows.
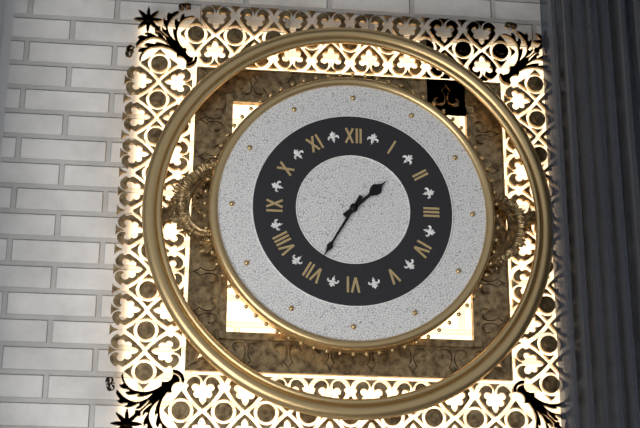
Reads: 1h35
